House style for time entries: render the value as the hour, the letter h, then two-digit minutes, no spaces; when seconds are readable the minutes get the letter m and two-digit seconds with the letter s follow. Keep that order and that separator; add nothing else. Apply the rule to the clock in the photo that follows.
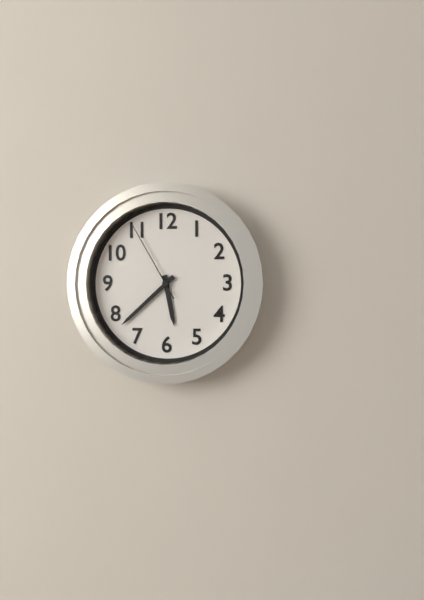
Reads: 5h38m55s
